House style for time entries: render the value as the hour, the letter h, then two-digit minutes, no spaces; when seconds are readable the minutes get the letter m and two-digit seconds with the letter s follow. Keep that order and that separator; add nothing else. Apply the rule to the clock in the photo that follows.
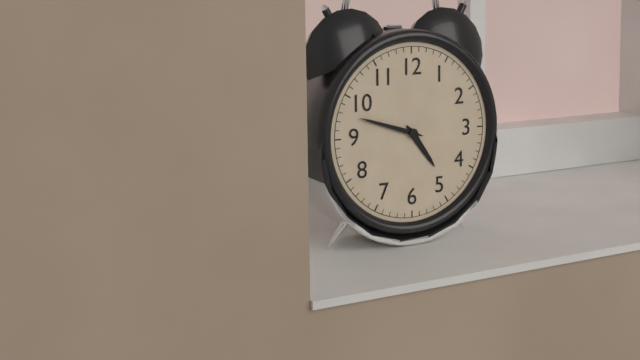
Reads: 4h48
